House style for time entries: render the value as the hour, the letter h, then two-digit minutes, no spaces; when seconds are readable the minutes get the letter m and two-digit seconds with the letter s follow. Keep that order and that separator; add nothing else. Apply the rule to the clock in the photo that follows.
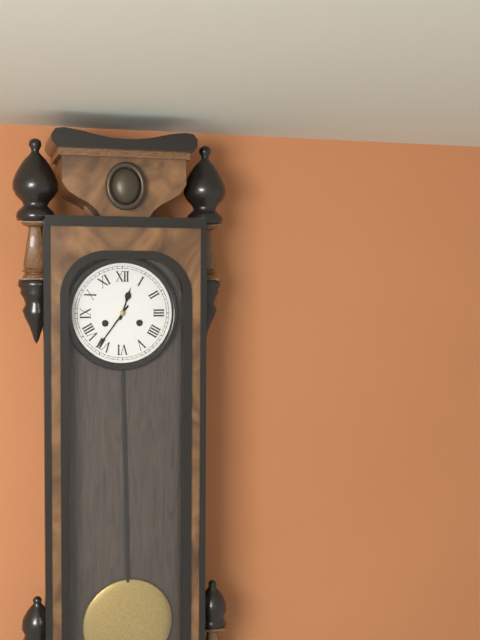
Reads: 12h36
